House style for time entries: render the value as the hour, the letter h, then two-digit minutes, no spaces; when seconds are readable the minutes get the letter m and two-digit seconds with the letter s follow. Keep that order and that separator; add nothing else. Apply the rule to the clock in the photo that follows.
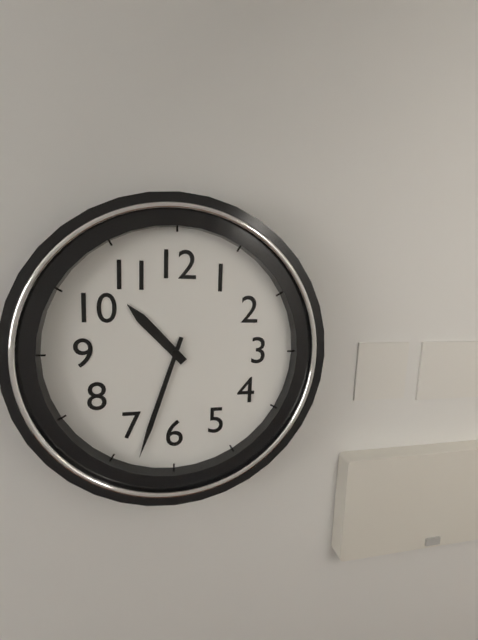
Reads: 10h33
